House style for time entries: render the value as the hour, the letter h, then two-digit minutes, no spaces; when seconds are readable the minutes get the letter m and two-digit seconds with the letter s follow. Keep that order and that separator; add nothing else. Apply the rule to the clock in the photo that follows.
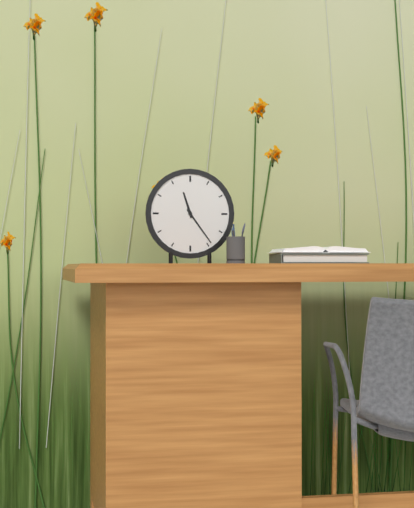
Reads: 11h24
